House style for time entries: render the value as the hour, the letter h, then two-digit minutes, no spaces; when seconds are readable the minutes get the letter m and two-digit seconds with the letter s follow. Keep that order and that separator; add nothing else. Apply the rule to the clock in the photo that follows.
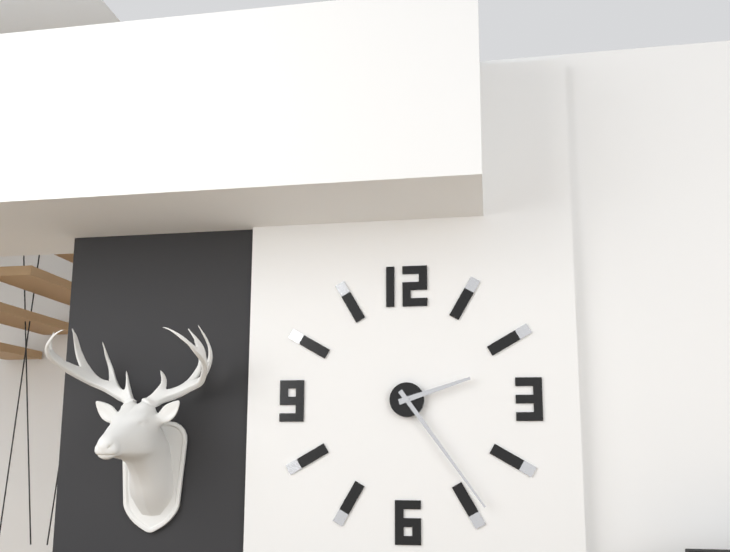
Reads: 2h24
